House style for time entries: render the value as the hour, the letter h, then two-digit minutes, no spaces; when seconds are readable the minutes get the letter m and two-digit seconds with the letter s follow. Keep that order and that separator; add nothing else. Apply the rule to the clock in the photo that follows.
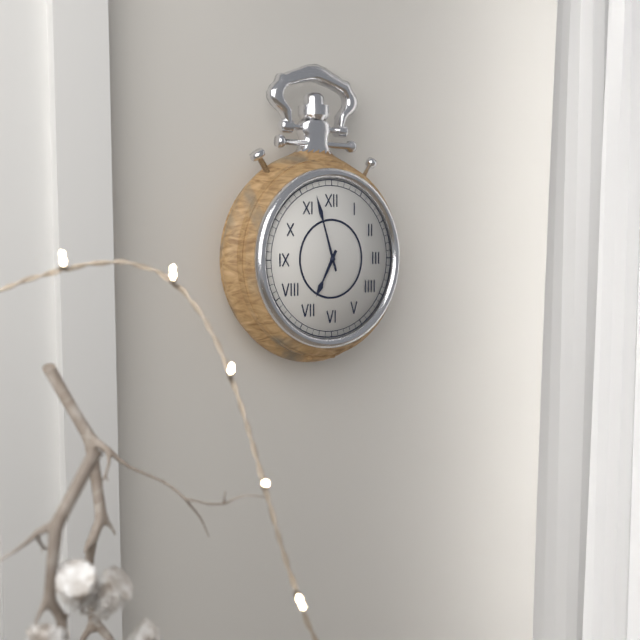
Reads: 6h57
